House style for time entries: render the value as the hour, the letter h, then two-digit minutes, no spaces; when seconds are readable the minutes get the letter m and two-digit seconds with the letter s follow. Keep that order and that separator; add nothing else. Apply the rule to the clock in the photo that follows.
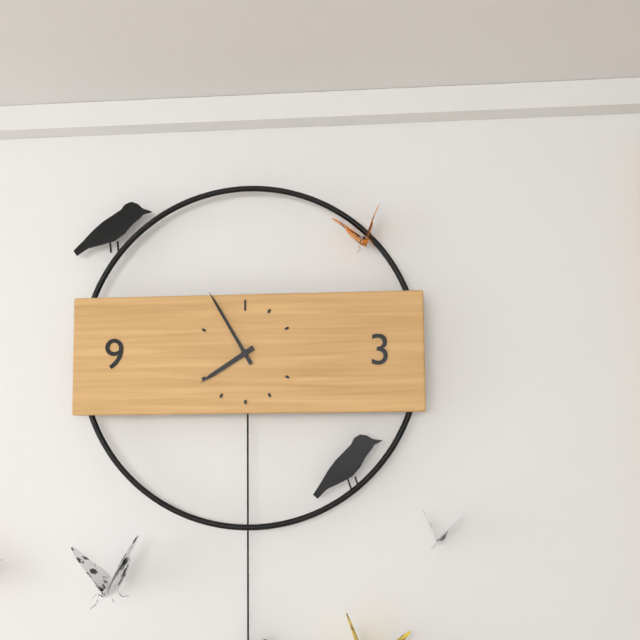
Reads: 7h55
